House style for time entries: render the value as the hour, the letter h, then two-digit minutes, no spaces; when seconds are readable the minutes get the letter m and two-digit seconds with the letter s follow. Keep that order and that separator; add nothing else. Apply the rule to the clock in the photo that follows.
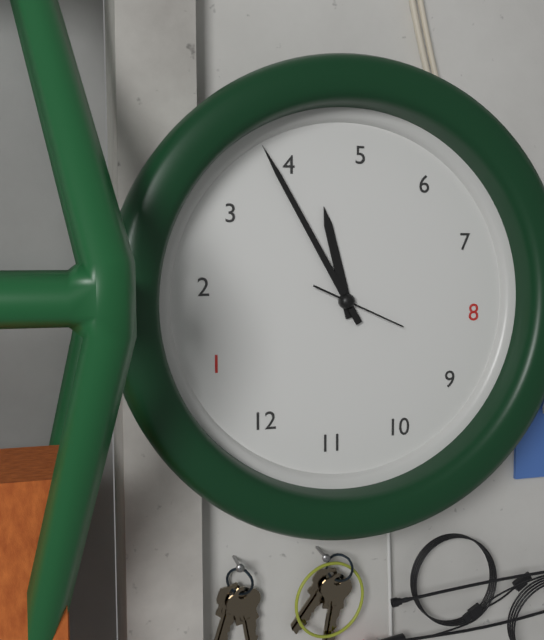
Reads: 4h19m43s
